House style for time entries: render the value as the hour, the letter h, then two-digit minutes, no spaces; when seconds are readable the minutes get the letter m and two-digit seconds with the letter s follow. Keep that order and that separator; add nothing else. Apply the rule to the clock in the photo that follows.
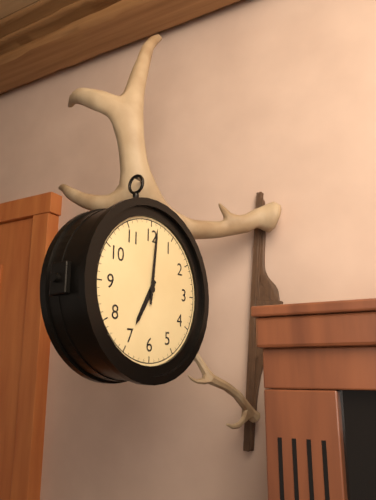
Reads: 7h01
